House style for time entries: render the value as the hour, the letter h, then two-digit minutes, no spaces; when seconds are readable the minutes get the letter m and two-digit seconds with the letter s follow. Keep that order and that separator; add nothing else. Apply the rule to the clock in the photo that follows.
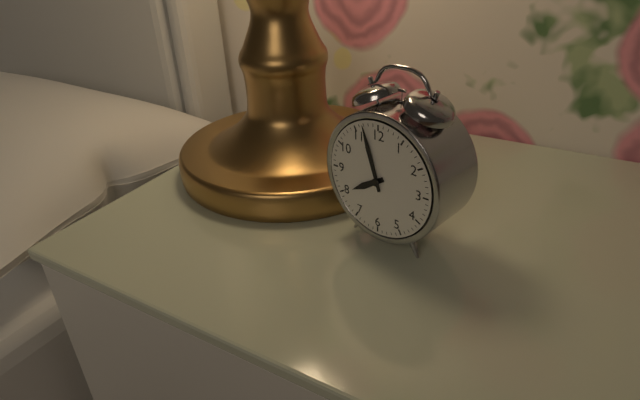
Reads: 7h57
